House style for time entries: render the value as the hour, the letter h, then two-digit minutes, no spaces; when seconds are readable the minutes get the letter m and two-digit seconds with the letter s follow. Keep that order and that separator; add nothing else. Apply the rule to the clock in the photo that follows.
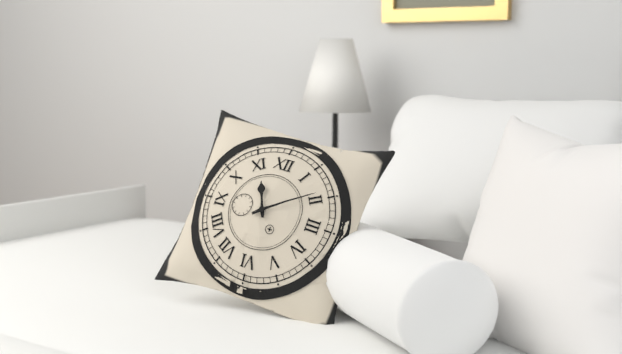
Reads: 11h09
